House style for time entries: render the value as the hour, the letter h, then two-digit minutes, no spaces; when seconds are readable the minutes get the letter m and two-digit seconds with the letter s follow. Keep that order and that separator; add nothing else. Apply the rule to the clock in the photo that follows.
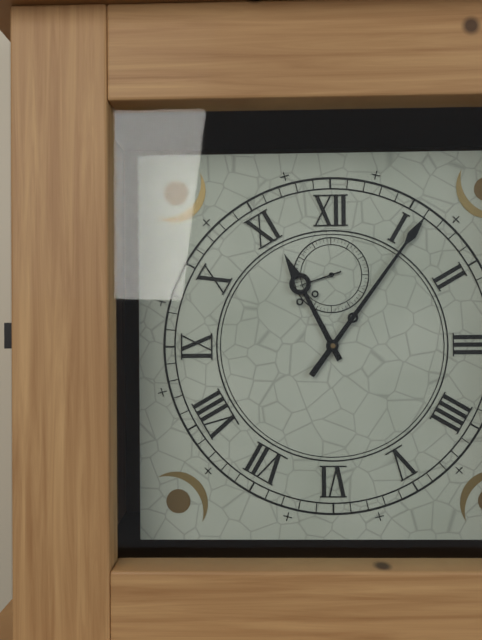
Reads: 11h06
